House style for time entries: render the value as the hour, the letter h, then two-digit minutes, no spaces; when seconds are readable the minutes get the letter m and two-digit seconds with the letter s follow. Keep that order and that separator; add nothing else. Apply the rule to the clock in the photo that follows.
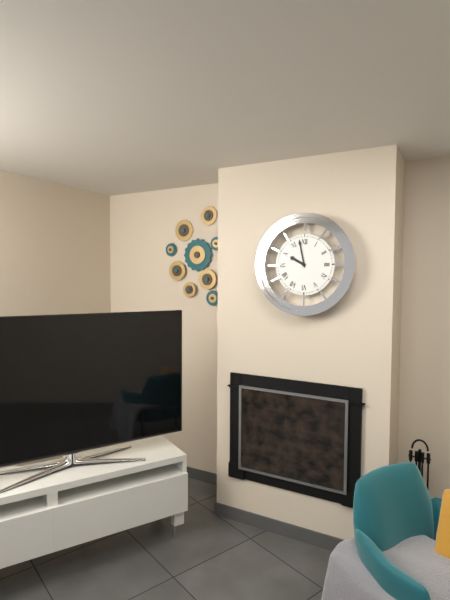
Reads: 9h58
